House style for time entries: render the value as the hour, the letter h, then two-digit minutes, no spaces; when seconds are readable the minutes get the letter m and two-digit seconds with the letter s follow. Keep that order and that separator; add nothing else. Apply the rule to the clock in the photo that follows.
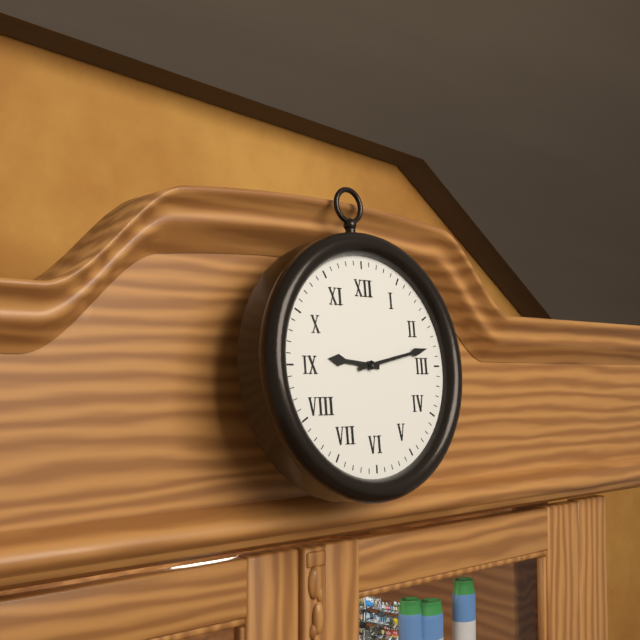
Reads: 9h13
